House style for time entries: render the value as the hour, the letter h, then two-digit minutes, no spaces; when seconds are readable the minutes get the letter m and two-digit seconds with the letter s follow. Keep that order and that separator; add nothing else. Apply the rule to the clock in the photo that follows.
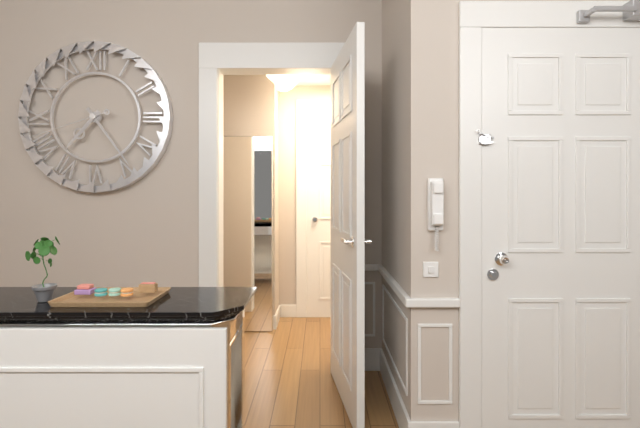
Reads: 7h24m42s
